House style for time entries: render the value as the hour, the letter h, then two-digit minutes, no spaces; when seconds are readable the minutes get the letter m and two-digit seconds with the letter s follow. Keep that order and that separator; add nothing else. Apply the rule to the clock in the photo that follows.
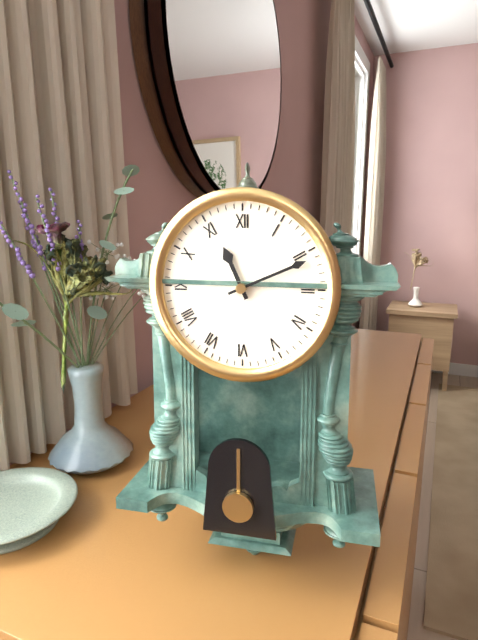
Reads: 11h11
